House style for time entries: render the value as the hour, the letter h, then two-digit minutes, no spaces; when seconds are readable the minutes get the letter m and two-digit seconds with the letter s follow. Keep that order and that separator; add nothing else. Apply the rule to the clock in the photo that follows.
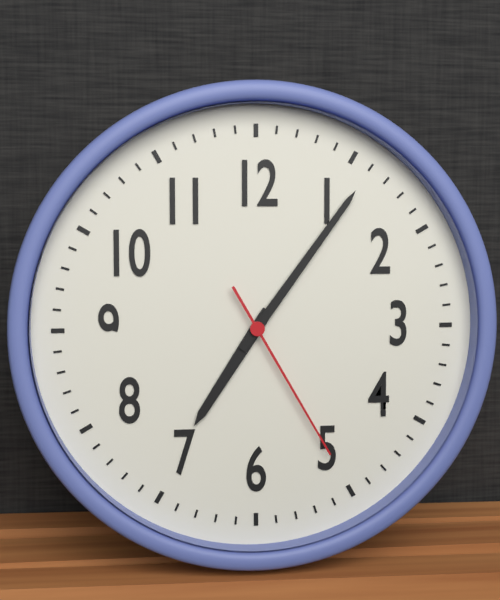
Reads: 7h06m25s
